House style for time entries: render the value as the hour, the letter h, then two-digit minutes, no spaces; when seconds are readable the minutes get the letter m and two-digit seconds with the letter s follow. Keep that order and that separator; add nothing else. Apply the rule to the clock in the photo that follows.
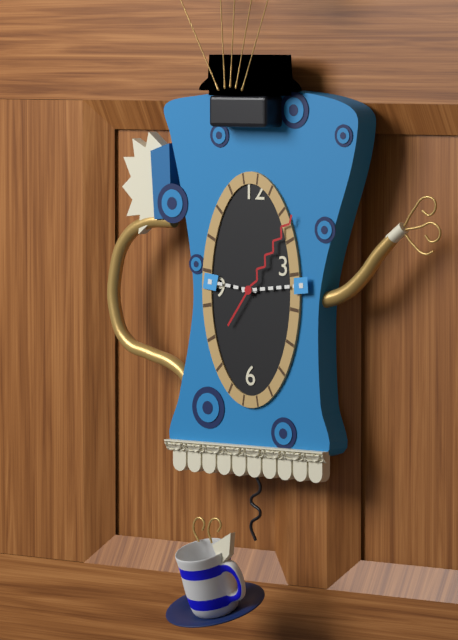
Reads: 9h14m06s
